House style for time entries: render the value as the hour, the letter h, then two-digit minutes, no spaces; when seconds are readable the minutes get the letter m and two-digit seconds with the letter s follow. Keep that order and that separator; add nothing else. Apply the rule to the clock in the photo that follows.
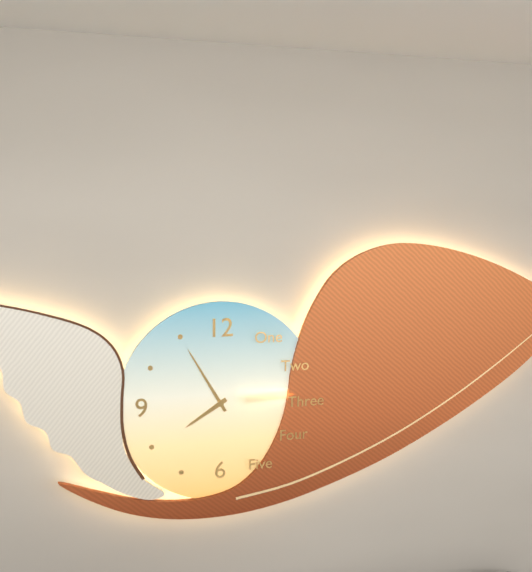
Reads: 7h55
